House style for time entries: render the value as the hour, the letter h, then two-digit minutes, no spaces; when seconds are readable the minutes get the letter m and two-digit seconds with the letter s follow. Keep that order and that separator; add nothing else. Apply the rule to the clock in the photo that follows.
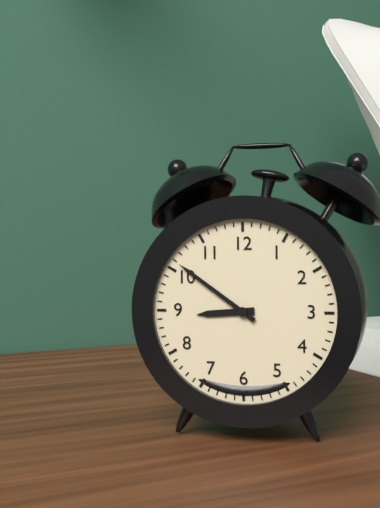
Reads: 8h51
